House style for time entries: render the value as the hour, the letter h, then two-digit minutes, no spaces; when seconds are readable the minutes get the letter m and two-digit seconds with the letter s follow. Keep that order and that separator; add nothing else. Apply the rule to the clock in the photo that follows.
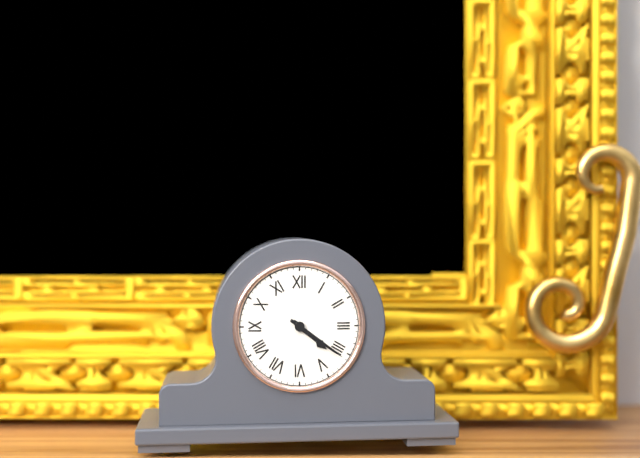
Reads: 4h21
